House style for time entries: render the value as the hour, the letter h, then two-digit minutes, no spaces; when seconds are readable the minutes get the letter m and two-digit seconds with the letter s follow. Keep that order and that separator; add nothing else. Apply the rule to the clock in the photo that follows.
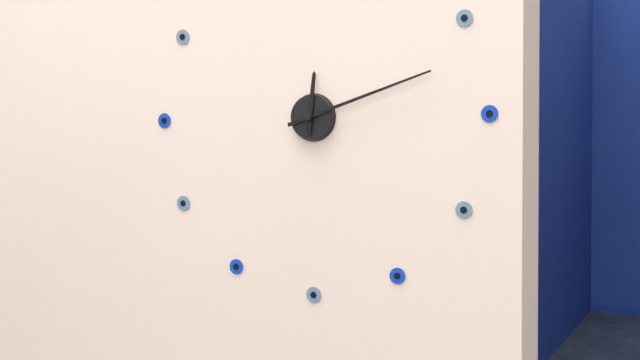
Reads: 12h12
